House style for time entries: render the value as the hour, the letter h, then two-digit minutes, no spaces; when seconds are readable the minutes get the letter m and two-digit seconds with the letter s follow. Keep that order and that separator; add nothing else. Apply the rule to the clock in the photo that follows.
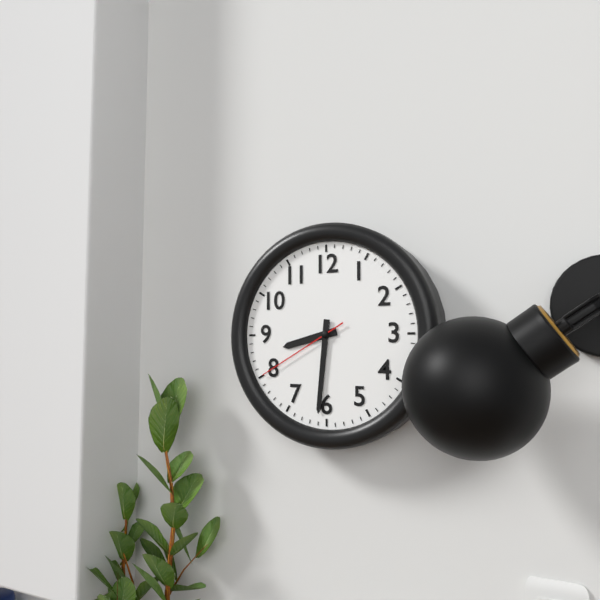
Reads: 8h31m40s
